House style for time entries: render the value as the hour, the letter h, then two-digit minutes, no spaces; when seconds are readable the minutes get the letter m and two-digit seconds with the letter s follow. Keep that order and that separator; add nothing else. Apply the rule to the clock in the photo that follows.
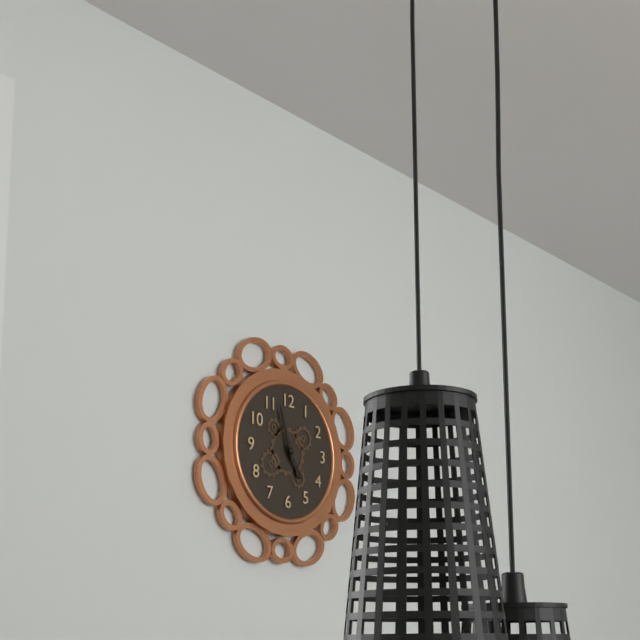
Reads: 4h57
